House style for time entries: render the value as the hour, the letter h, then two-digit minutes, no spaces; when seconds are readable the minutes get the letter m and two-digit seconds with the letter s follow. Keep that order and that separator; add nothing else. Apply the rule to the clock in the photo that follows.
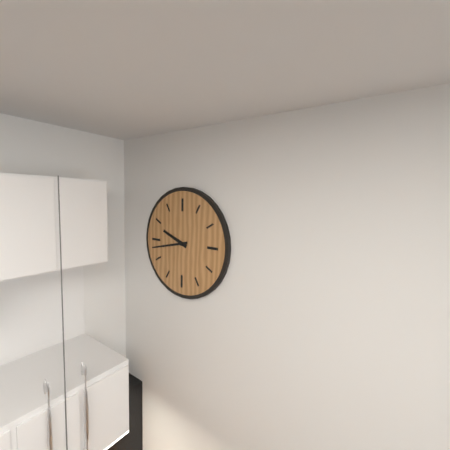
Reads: 9h43
